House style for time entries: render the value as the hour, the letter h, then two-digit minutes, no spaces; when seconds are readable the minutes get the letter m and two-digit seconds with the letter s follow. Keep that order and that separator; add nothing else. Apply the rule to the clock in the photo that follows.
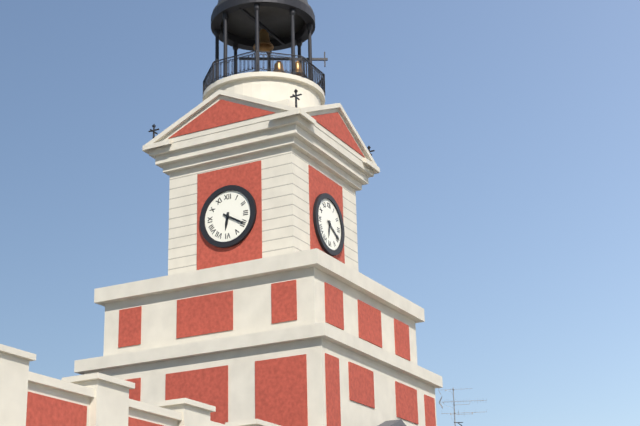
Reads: 6h20
